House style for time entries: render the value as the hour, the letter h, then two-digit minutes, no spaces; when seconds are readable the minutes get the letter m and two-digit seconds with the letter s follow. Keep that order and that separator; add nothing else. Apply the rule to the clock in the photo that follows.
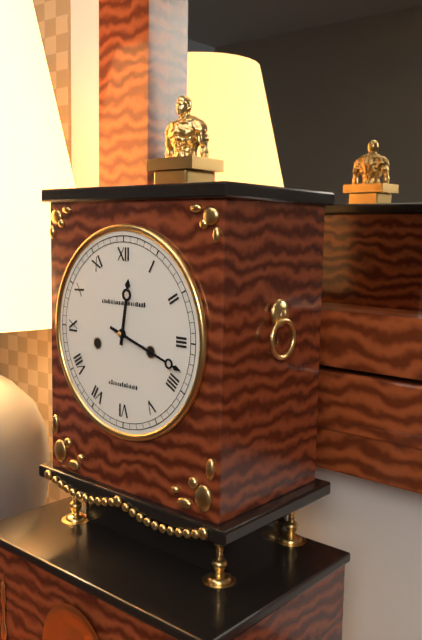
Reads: 12h18
